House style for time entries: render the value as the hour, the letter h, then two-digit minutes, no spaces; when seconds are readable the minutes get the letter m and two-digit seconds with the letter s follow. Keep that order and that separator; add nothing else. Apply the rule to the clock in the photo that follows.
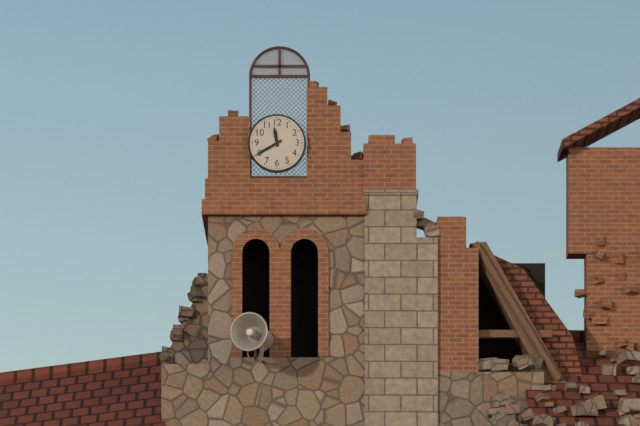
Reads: 11h40
